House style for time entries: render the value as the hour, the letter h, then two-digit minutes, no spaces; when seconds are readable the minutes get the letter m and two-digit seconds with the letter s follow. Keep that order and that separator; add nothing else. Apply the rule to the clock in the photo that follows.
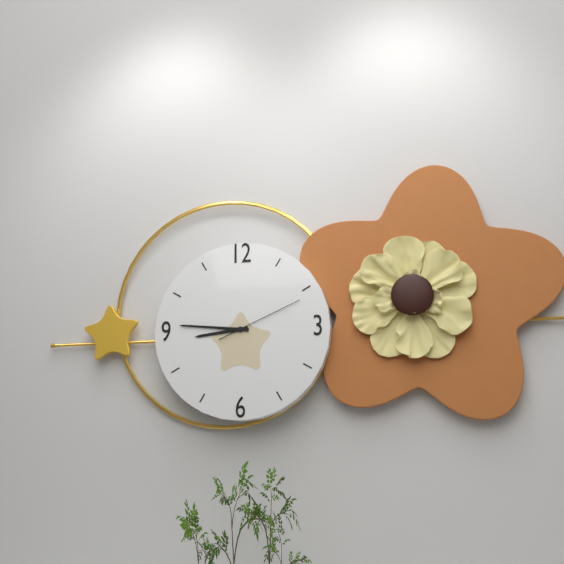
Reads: 8h46m11s
